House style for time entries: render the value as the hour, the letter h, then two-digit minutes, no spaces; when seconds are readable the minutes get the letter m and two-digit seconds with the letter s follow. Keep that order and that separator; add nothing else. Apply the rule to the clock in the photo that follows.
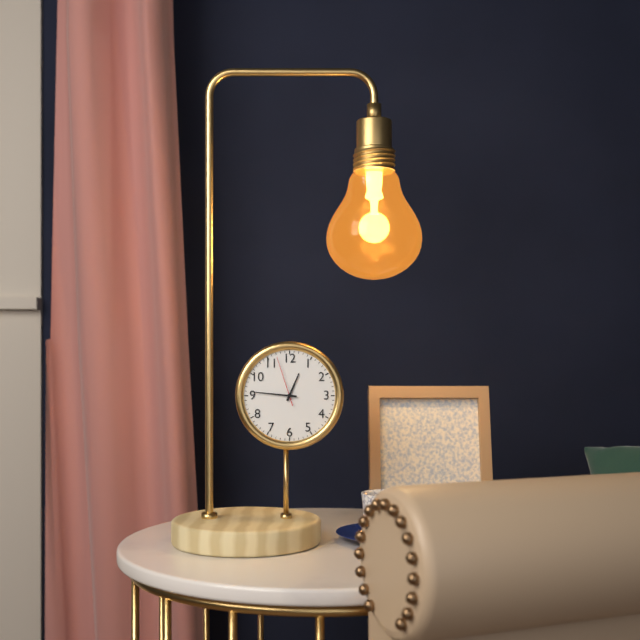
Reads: 12h46m57s
